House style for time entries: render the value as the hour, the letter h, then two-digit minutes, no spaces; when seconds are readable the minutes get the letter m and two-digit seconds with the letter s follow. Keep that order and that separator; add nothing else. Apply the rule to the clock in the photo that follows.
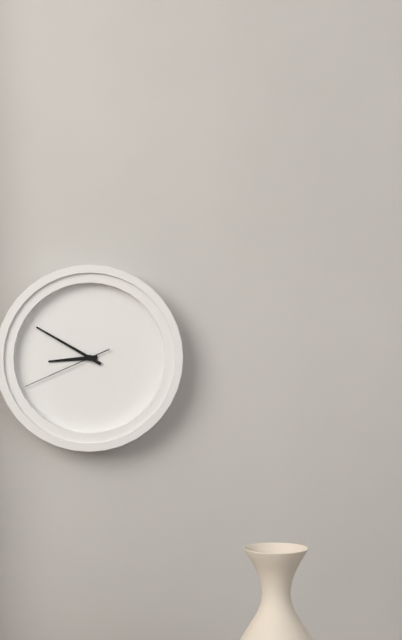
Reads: 8h50m41s
